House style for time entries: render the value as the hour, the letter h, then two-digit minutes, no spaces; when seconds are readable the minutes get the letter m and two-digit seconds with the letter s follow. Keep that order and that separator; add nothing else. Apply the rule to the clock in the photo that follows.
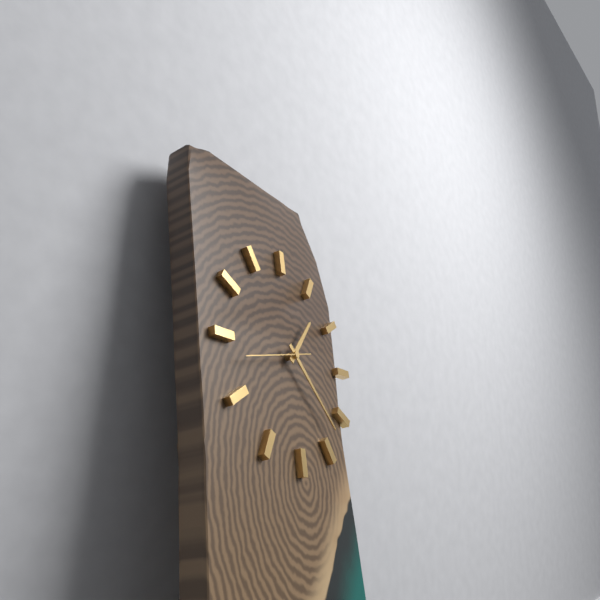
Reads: 1h23m43s
